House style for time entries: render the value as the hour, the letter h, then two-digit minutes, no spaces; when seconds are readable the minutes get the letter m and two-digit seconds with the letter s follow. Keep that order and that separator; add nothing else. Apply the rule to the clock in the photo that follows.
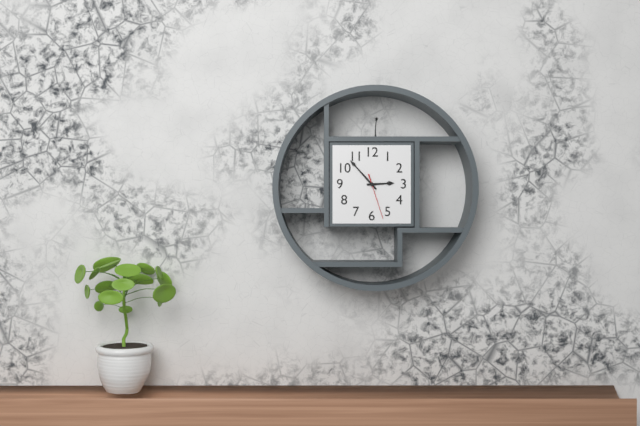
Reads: 2h53
